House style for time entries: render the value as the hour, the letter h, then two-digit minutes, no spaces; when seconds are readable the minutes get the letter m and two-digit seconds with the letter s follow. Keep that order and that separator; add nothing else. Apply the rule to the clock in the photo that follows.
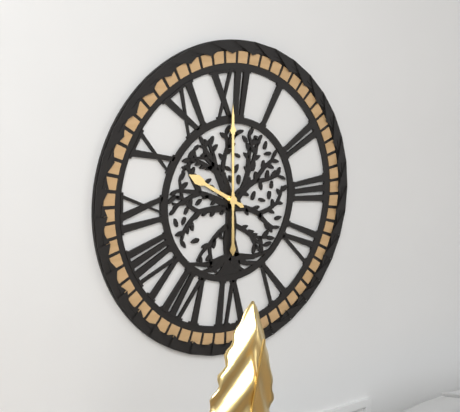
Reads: 10h00
